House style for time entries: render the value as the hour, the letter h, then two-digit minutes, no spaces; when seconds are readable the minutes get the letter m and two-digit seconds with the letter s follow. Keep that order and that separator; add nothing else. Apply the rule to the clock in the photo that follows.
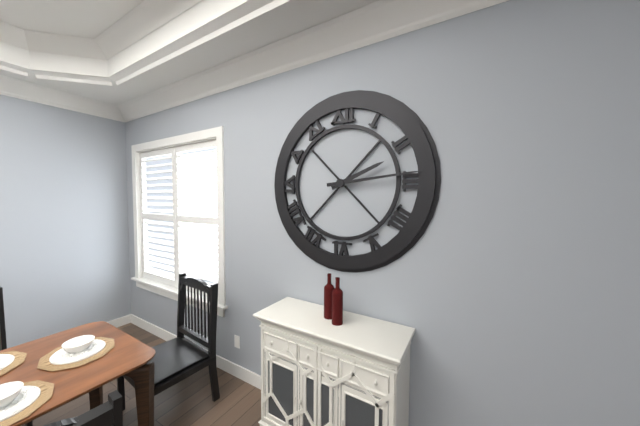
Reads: 2h14
